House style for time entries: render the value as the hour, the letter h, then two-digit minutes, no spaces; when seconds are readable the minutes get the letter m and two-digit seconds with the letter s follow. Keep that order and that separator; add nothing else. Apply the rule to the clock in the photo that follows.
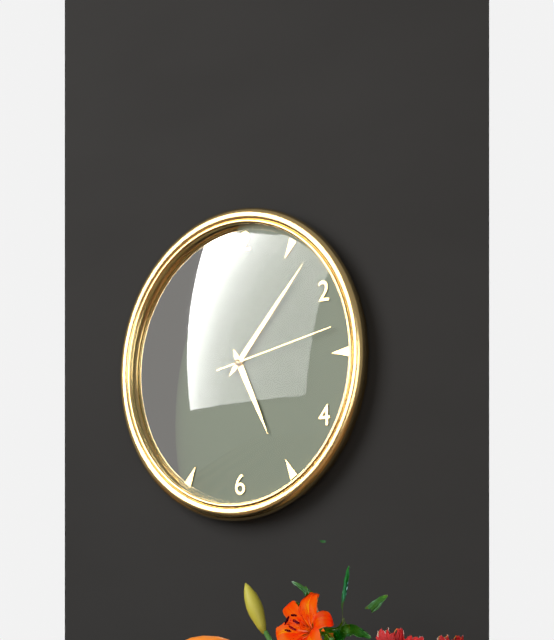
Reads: 5h07m13s
